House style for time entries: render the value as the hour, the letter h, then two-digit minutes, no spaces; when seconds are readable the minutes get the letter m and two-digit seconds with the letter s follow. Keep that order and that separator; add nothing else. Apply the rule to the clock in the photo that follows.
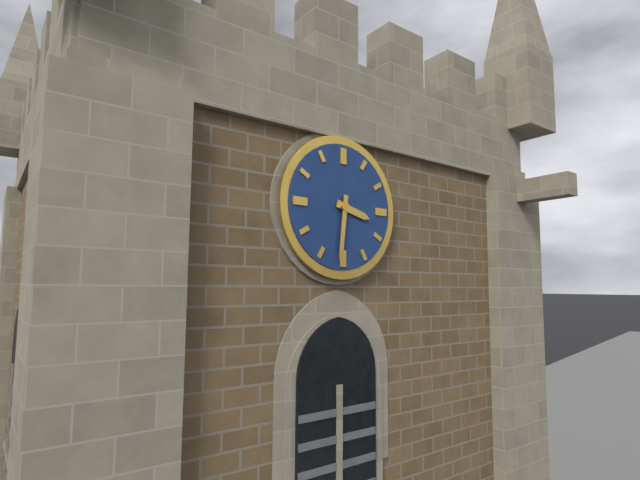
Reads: 3h31
